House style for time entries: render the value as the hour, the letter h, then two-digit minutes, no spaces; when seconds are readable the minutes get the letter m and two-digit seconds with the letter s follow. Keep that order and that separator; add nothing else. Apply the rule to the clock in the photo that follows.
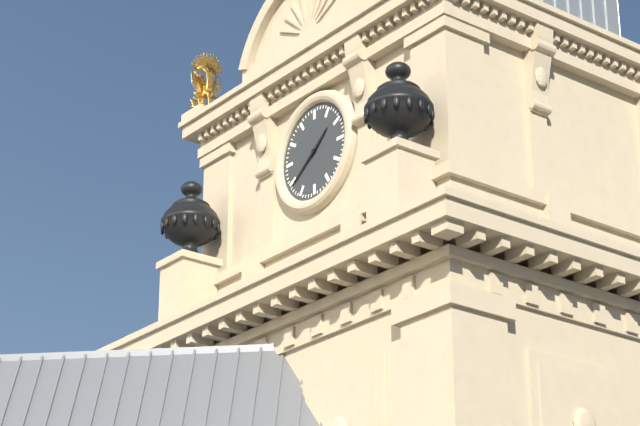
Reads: 1h39
